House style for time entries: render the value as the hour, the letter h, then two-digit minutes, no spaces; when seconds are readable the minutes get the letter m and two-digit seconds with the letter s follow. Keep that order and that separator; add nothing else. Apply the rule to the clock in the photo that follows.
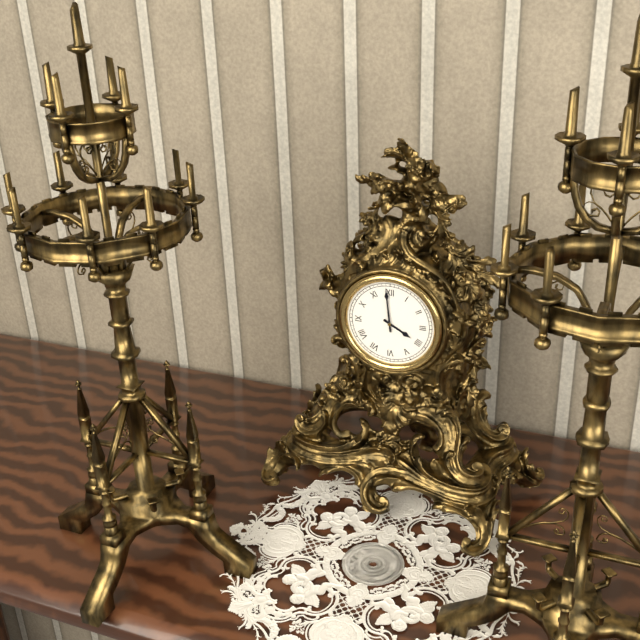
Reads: 3h59
